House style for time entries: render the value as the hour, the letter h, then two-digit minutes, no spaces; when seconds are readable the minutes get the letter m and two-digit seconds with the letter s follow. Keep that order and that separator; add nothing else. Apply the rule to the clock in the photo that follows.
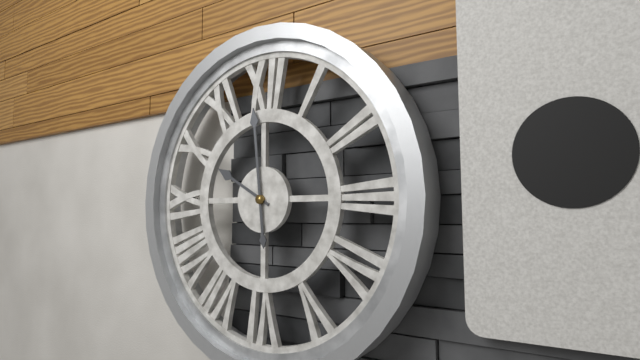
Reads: 9h59
